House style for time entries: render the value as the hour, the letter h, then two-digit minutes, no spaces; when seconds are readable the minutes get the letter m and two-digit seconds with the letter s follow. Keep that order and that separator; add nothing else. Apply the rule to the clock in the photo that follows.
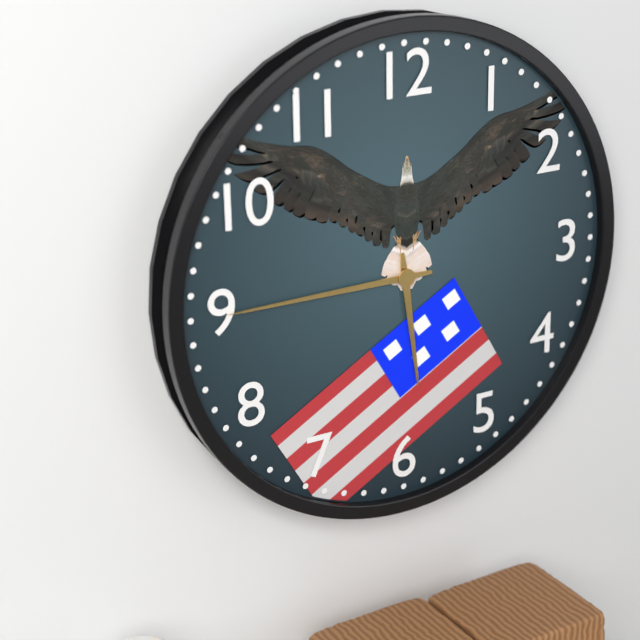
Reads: 5h45
